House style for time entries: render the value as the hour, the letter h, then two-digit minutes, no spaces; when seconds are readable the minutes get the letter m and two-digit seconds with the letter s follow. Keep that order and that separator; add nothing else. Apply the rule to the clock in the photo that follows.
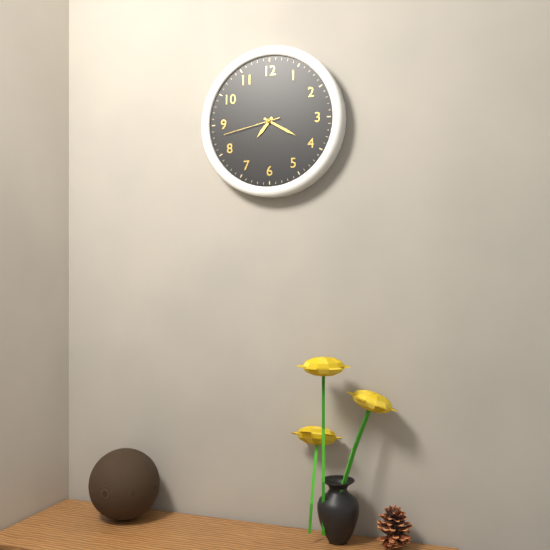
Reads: 7h20m43s
